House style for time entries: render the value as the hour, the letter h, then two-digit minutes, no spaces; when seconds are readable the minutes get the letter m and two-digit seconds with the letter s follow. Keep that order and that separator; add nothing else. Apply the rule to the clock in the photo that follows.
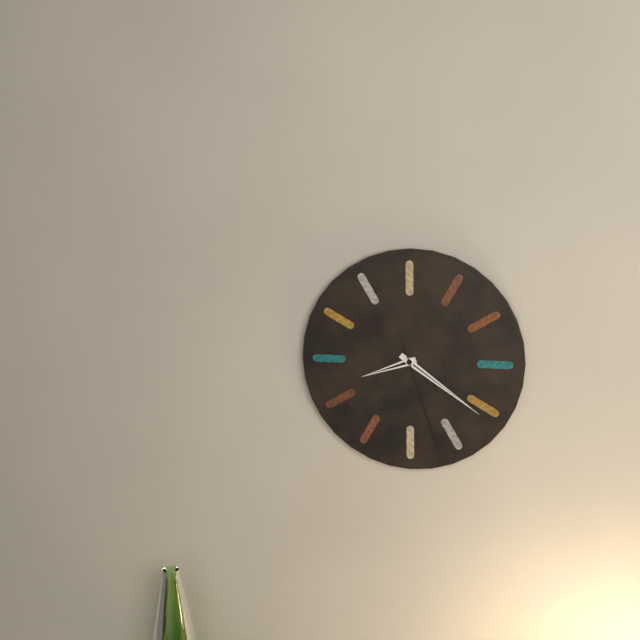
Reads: 8h21m27s
